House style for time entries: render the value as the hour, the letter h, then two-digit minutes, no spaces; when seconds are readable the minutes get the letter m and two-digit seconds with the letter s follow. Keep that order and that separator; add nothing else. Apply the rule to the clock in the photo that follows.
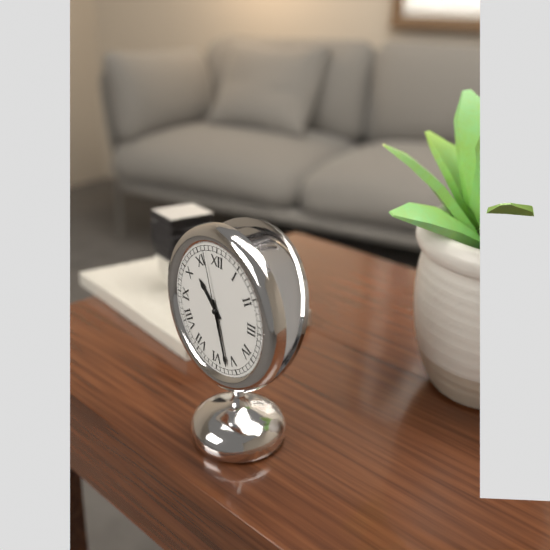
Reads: 10h27m57s
